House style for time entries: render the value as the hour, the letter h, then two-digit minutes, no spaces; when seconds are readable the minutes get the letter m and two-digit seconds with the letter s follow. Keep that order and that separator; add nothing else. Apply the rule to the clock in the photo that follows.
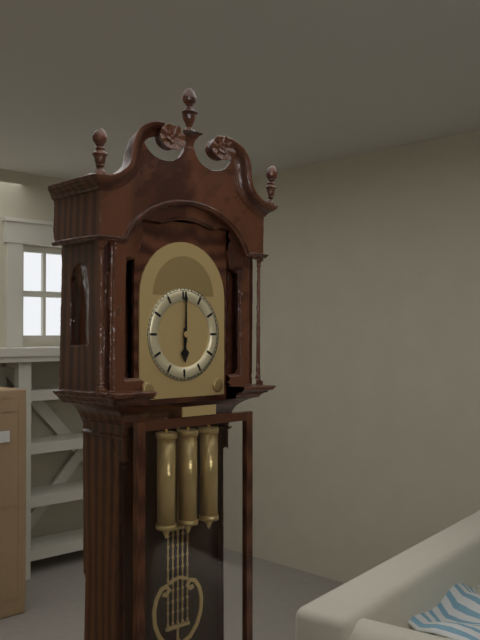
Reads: 6h00
